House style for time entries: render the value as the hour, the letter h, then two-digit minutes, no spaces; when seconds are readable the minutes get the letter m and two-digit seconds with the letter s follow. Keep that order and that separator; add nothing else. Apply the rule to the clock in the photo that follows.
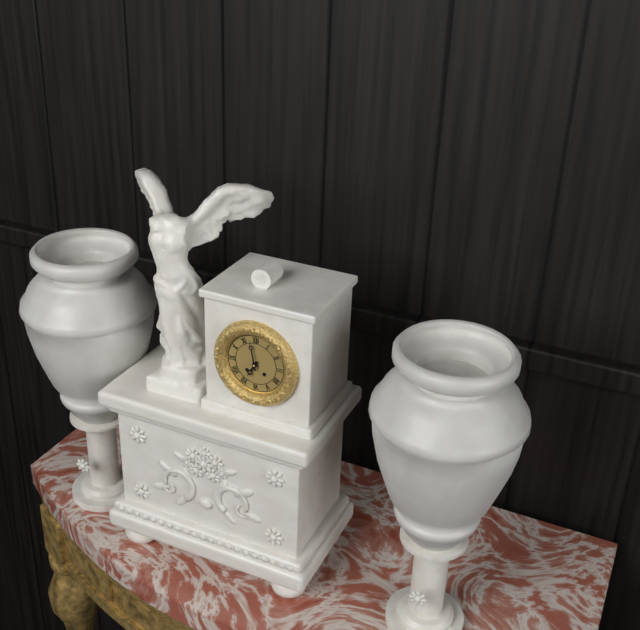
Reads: 6h58
